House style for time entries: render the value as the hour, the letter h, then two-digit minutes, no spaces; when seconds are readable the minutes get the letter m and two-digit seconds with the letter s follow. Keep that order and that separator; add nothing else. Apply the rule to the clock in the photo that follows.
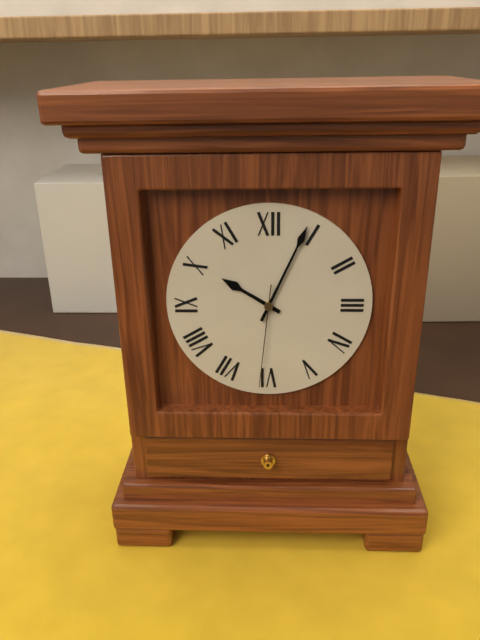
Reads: 10h04m31s
